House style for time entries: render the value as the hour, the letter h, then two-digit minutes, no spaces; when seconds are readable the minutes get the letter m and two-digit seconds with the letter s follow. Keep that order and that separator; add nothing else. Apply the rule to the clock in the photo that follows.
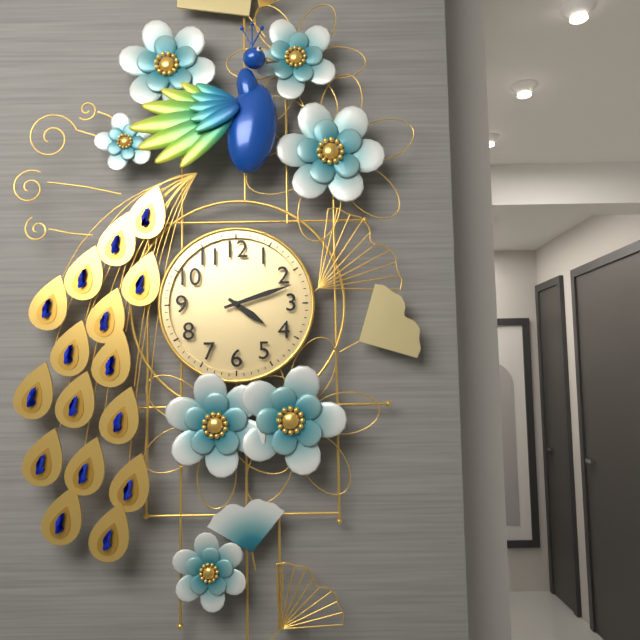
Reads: 4h12
